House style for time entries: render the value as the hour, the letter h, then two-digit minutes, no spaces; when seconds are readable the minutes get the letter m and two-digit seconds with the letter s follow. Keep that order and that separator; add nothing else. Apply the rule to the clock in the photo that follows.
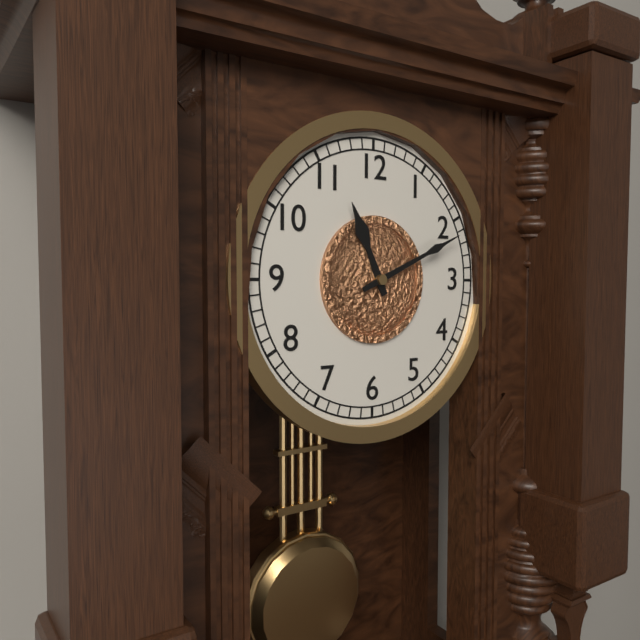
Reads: 11h11
